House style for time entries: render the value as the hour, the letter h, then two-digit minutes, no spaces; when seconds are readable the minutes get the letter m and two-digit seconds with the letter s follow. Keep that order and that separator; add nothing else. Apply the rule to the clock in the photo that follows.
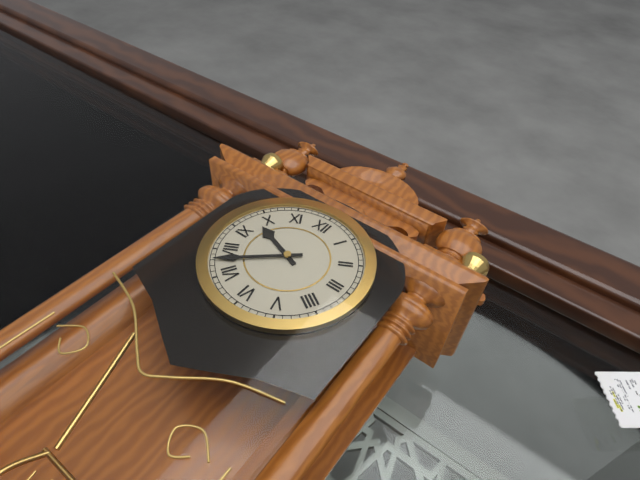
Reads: 9h38
